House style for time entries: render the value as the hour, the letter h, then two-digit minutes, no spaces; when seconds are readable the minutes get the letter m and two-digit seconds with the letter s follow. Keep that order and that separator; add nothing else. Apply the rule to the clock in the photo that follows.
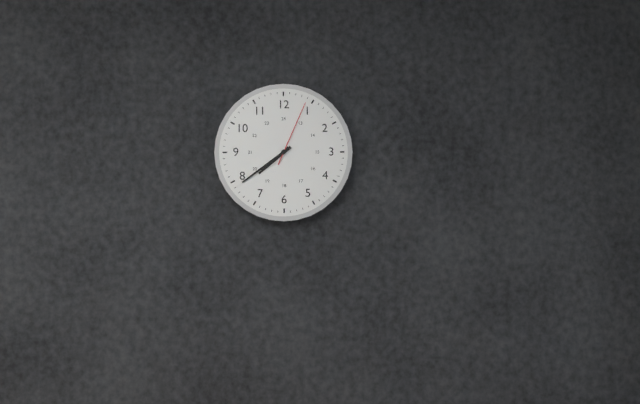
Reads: 7h39m04s
